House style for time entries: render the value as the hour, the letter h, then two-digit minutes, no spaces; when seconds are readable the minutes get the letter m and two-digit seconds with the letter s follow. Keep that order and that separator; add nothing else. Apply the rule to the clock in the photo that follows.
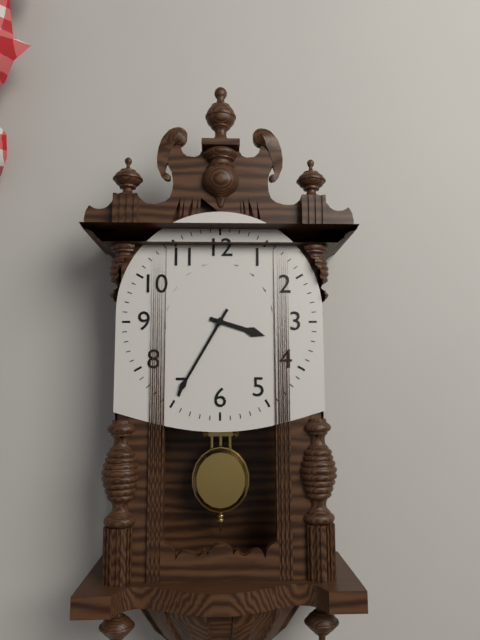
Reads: 3h35
